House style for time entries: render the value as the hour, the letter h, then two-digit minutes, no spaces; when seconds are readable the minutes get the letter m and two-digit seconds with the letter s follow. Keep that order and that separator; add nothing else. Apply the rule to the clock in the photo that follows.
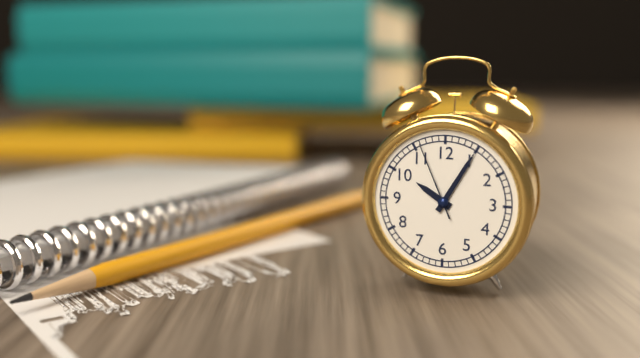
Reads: 10h05m56s
